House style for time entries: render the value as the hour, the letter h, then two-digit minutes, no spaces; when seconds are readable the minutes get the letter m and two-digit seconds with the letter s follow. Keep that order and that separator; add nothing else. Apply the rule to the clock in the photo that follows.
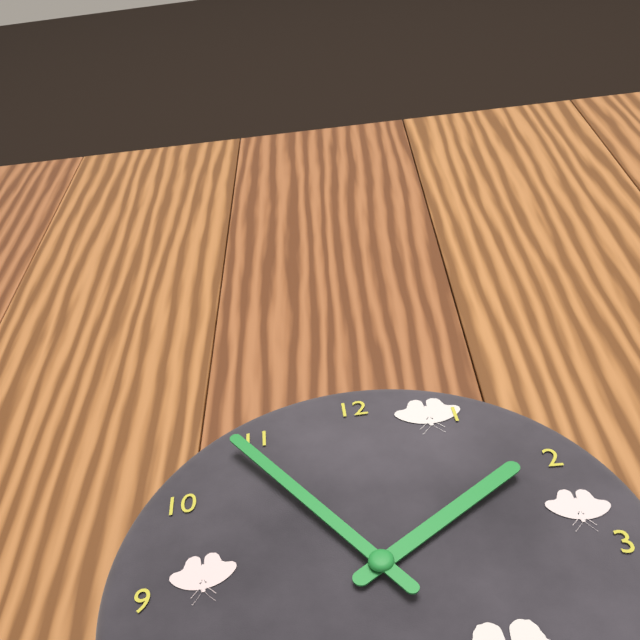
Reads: 1h54
